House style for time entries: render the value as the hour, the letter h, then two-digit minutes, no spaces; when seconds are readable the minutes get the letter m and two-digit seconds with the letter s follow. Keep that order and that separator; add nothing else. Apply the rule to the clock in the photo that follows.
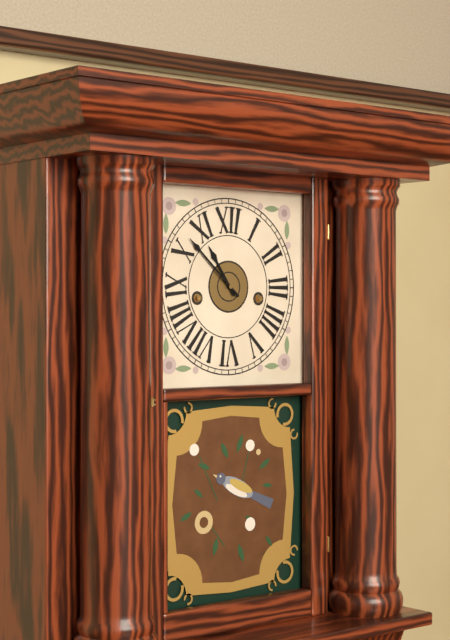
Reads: 10h52
